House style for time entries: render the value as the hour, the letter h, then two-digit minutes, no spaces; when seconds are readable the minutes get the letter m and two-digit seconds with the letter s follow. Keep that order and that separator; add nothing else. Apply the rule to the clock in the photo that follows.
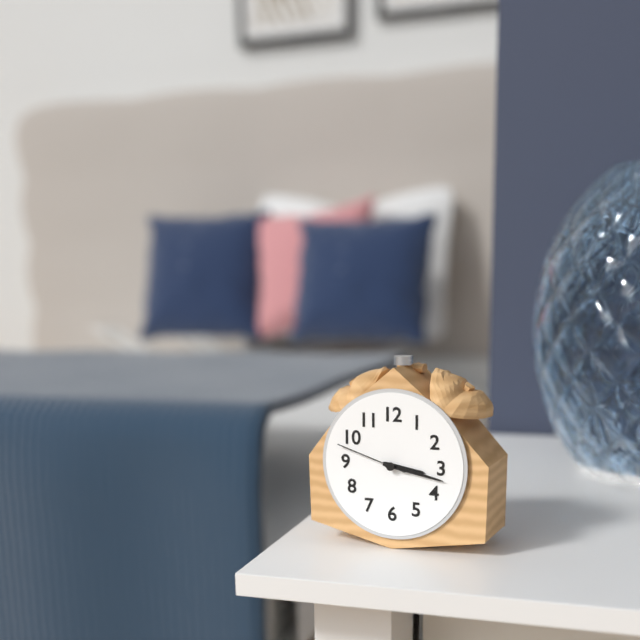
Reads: 3h17m48s
